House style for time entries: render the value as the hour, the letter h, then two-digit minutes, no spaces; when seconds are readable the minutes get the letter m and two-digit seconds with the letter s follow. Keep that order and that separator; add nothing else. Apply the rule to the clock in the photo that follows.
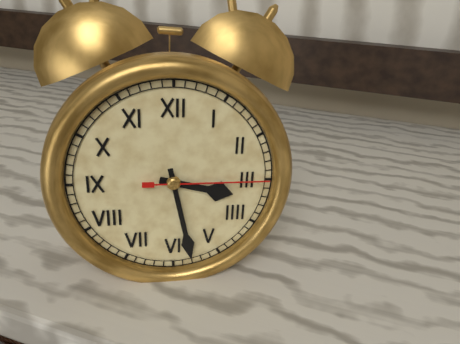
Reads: 3h28m15s
